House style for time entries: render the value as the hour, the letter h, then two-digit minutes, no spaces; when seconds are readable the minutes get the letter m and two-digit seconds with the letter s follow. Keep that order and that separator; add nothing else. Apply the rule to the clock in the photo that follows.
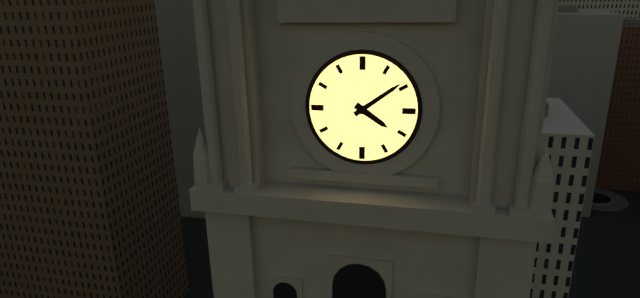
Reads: 4h09
